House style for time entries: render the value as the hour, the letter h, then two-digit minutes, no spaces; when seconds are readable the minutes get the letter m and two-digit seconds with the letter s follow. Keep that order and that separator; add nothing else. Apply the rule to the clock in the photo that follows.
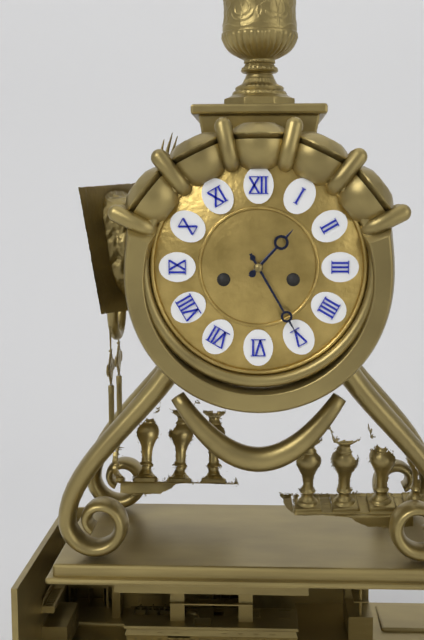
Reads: 1h25
